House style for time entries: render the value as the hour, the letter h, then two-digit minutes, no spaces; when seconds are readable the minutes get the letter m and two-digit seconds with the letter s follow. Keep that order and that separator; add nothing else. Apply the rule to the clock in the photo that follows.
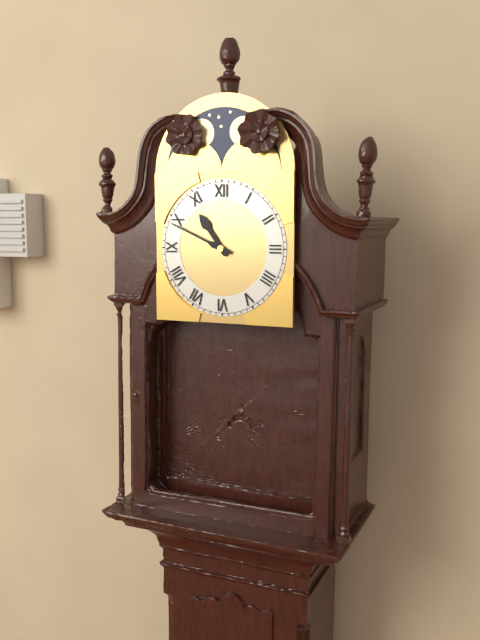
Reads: 10h49
